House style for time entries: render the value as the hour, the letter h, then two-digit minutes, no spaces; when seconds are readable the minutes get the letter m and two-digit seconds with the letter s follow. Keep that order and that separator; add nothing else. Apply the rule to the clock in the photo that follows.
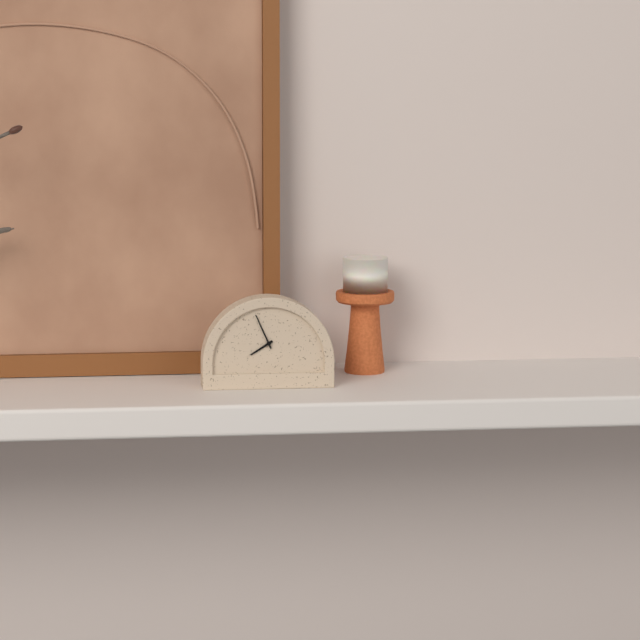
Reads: 7h56
